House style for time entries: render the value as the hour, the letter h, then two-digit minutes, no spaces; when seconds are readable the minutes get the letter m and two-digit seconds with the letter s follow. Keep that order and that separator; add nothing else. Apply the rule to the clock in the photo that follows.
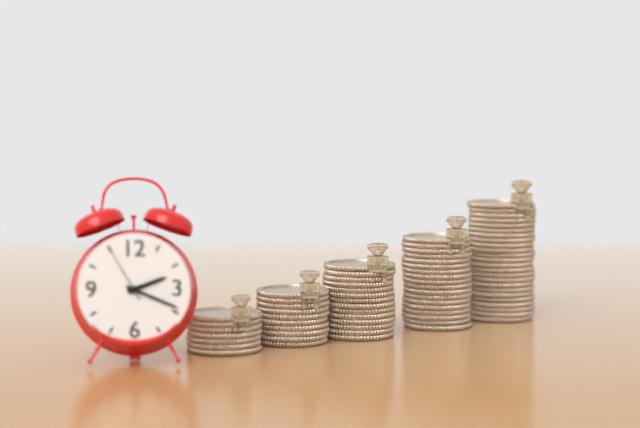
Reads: 2h19m55s
